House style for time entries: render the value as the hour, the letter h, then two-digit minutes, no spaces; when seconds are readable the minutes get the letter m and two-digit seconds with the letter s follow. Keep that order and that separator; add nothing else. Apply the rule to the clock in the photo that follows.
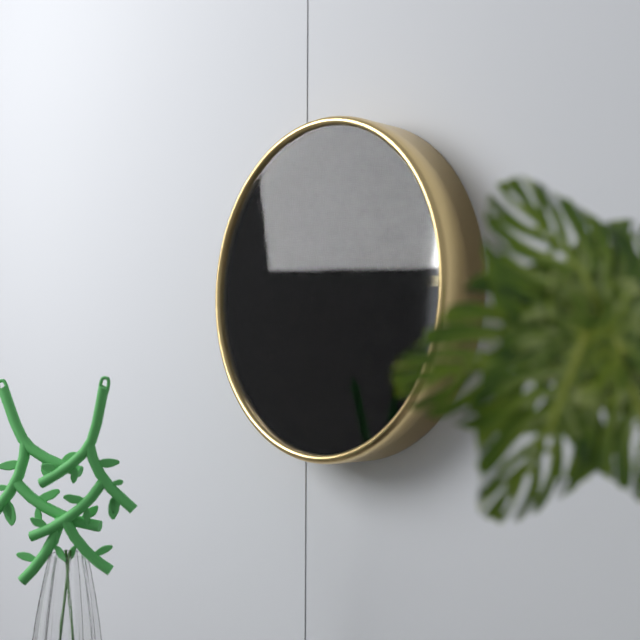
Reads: 6h19
